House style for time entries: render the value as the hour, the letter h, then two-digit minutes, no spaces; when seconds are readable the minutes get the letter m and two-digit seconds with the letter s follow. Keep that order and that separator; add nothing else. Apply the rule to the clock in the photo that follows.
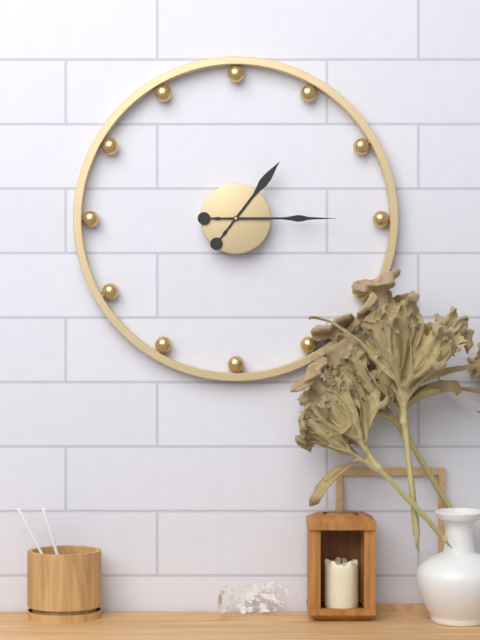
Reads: 1h15
